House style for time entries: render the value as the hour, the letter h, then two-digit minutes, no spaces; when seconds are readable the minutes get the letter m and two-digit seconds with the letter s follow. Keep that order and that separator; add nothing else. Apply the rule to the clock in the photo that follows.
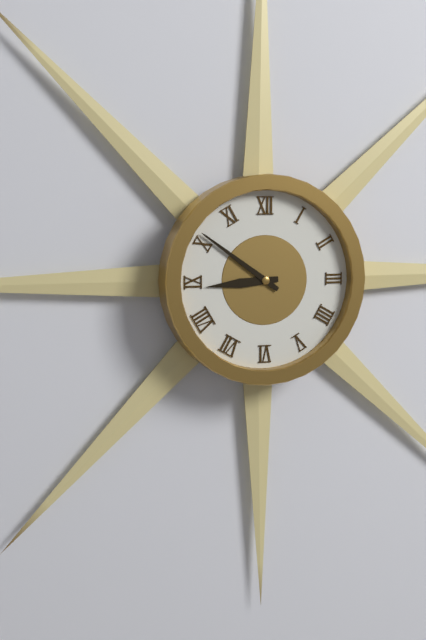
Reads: 8h51
